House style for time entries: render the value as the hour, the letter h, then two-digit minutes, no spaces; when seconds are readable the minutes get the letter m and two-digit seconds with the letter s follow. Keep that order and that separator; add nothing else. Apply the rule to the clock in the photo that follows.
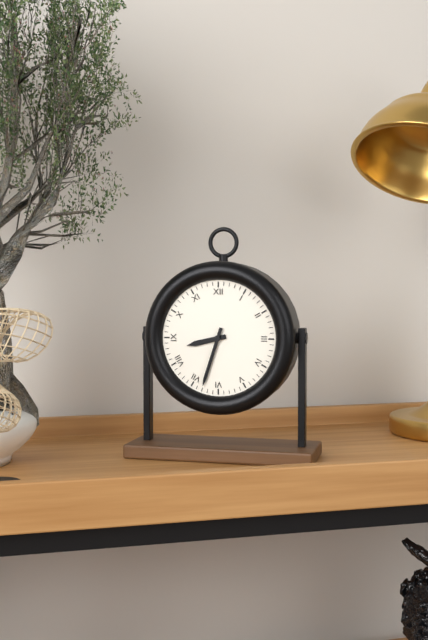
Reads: 8h33
